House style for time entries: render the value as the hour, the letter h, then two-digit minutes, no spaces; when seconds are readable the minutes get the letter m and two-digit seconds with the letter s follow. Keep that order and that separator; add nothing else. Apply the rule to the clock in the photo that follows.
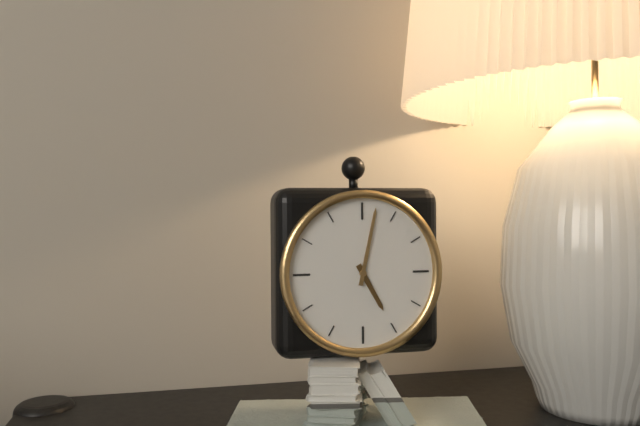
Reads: 5h02
